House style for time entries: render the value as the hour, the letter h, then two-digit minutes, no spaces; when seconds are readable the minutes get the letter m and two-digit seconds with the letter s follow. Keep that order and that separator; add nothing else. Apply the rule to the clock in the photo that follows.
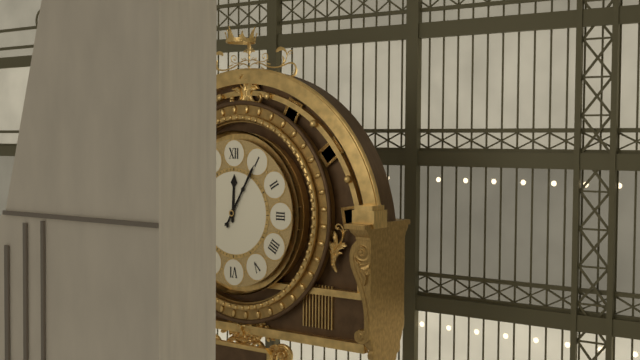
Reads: 12h05
